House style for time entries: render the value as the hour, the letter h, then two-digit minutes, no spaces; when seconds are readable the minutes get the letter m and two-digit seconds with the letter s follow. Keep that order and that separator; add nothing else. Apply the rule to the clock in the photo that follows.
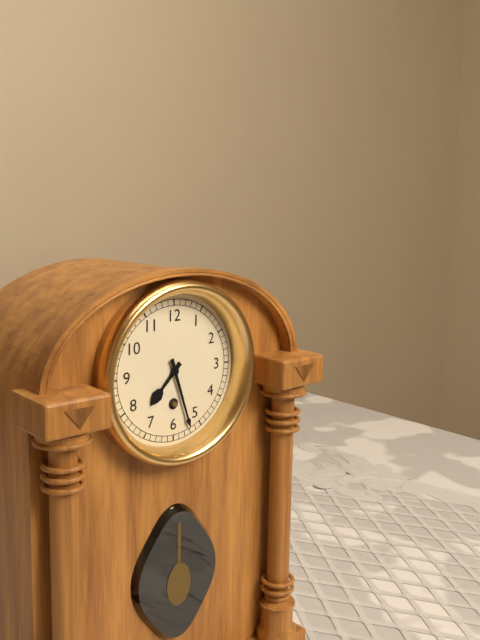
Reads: 7h27
